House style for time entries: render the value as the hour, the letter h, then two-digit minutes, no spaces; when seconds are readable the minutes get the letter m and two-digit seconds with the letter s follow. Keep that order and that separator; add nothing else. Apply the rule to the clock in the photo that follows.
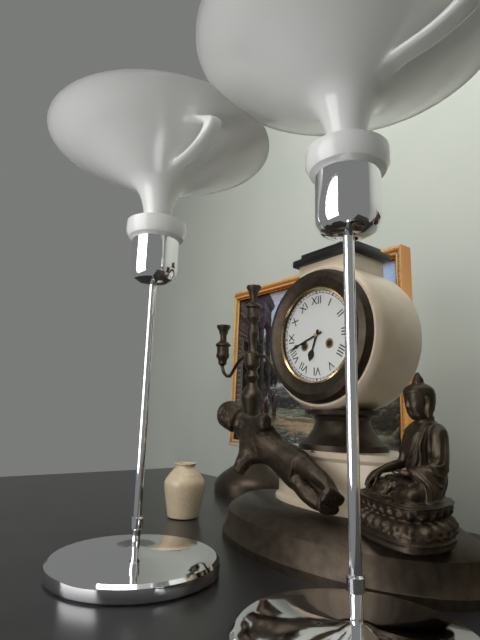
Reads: 6h42
